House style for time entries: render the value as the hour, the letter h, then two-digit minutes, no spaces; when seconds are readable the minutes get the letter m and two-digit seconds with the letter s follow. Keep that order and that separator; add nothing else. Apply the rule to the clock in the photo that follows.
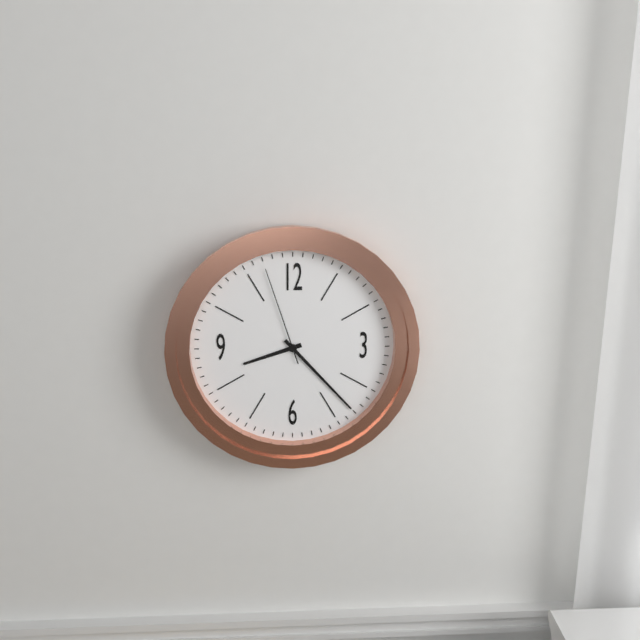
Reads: 8h23m57s
